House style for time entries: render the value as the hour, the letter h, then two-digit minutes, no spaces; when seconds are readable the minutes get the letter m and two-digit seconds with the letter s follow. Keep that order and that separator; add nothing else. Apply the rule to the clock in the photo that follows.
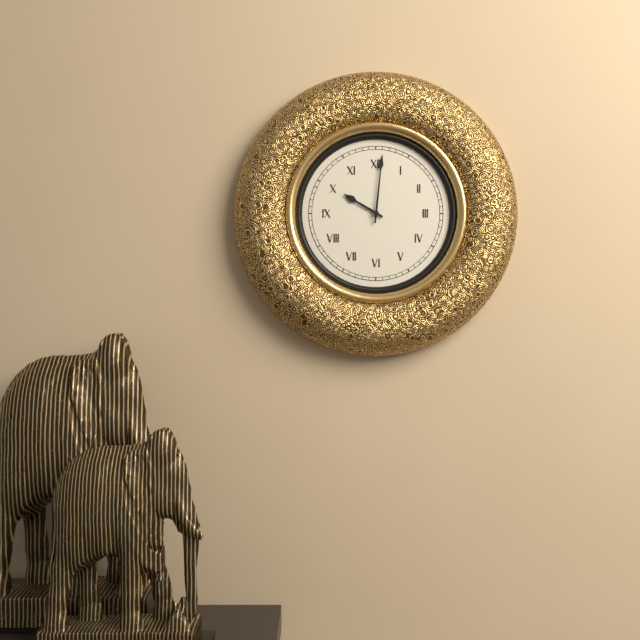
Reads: 10h01
